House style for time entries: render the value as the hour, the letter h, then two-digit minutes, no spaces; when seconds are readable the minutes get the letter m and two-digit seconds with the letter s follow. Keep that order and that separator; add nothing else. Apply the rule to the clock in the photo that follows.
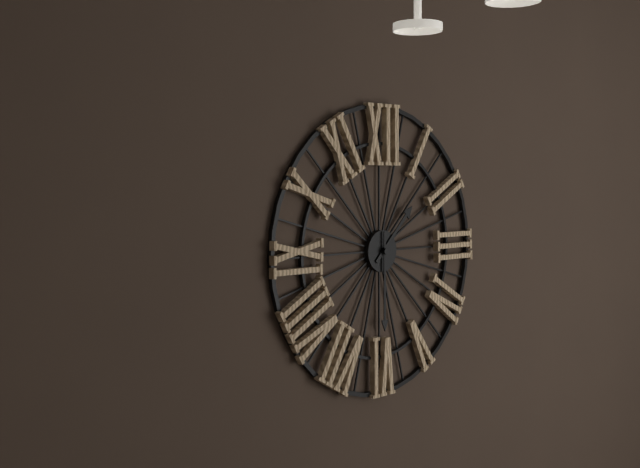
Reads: 1h30
